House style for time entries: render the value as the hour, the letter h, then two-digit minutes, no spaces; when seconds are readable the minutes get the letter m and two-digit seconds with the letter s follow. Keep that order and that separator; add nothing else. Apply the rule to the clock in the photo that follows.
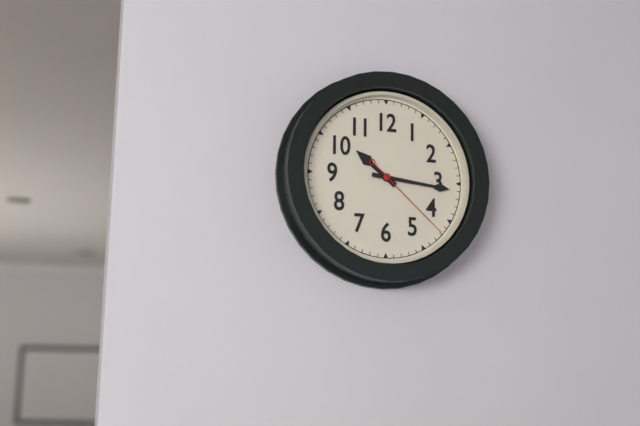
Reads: 10h16m22s
